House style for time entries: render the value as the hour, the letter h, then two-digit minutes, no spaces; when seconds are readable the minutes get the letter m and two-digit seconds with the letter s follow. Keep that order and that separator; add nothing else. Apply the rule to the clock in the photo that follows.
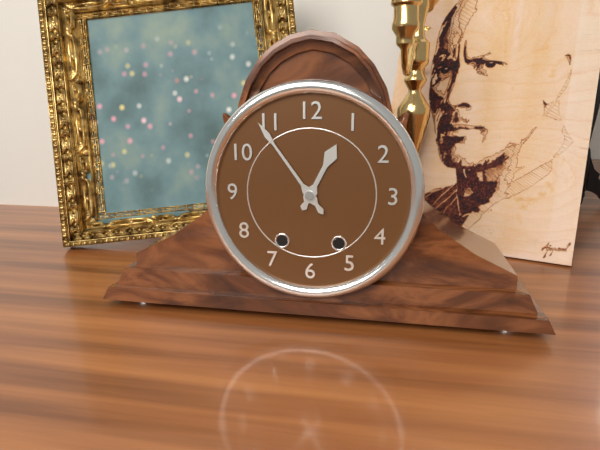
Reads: 12h54
